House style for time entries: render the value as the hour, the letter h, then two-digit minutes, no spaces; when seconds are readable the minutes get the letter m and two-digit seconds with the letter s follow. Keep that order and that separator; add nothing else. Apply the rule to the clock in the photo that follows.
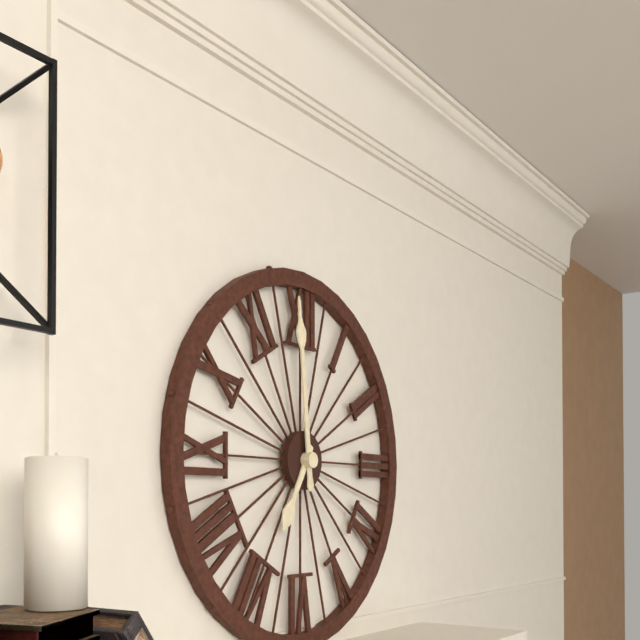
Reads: 6h59
